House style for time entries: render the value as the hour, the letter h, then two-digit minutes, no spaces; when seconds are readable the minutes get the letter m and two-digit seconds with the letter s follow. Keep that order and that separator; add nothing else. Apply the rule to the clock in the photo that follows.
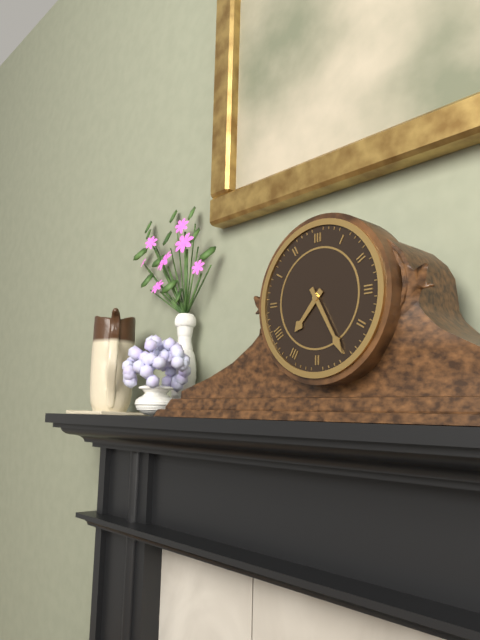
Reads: 7h25
